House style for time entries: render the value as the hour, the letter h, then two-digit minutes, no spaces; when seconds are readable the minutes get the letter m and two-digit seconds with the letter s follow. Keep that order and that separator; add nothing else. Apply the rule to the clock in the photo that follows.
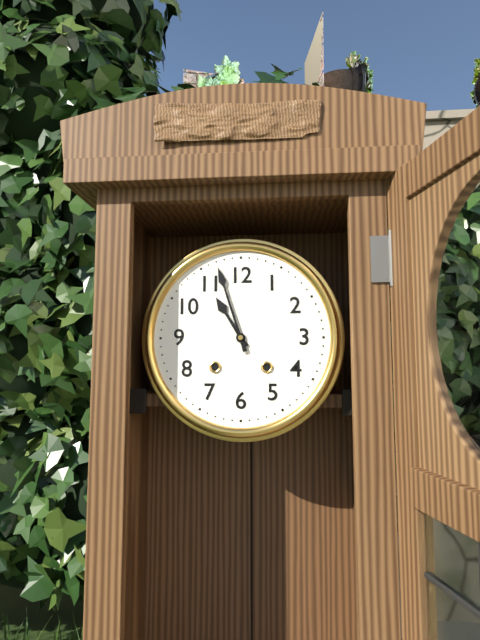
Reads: 10h57
